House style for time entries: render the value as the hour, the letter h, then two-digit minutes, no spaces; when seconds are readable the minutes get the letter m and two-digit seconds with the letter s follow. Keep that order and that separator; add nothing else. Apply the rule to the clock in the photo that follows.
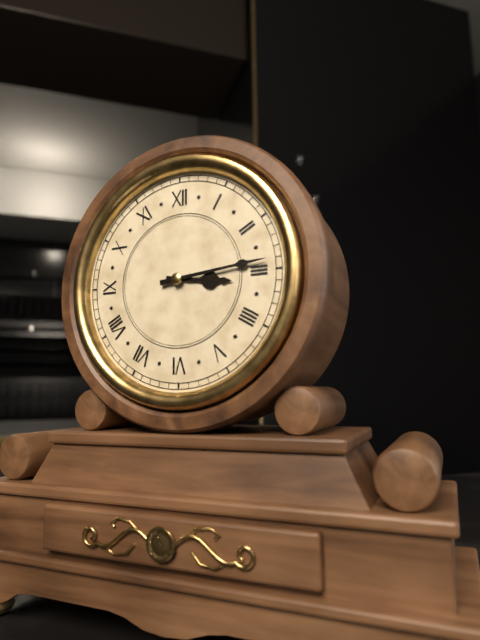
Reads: 3h14
